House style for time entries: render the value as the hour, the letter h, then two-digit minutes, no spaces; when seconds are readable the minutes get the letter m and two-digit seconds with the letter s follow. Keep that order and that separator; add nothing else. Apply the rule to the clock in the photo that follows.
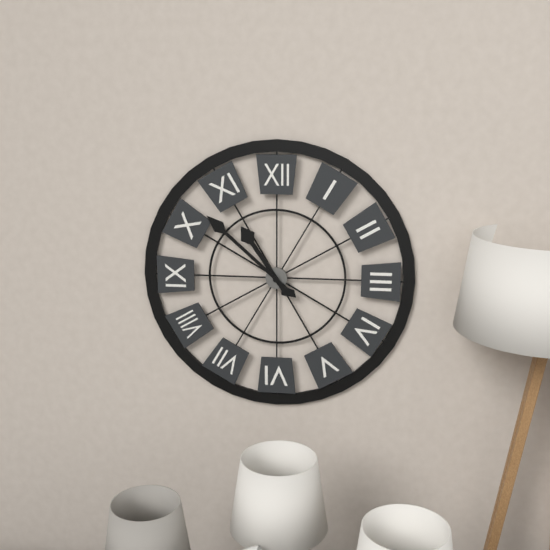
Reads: 10h52
